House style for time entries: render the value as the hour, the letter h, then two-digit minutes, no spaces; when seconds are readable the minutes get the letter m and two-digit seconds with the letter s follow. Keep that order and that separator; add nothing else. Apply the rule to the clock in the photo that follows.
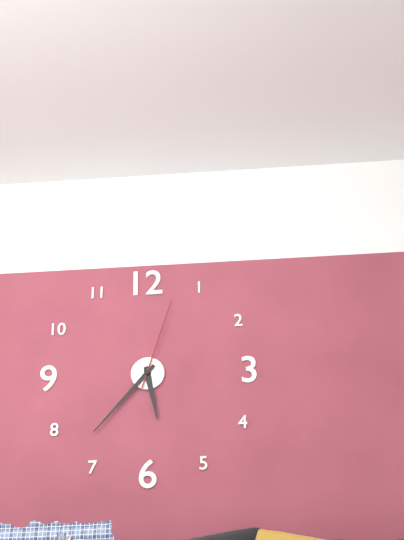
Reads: 5h37m03s
